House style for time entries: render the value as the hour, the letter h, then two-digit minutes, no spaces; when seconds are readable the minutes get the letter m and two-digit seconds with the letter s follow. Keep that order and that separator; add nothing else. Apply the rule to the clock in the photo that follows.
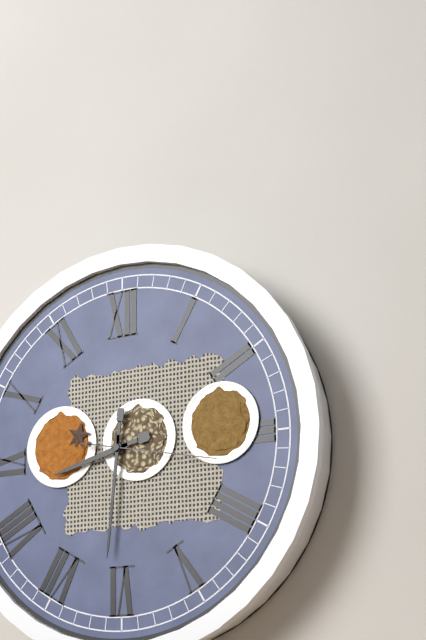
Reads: 8h31m17s
